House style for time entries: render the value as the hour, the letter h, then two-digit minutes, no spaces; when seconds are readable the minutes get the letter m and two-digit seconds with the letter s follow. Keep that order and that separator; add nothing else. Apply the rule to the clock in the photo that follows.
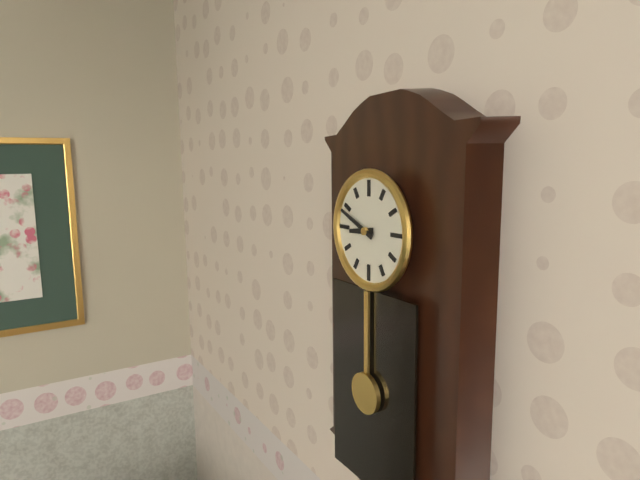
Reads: 8h49
